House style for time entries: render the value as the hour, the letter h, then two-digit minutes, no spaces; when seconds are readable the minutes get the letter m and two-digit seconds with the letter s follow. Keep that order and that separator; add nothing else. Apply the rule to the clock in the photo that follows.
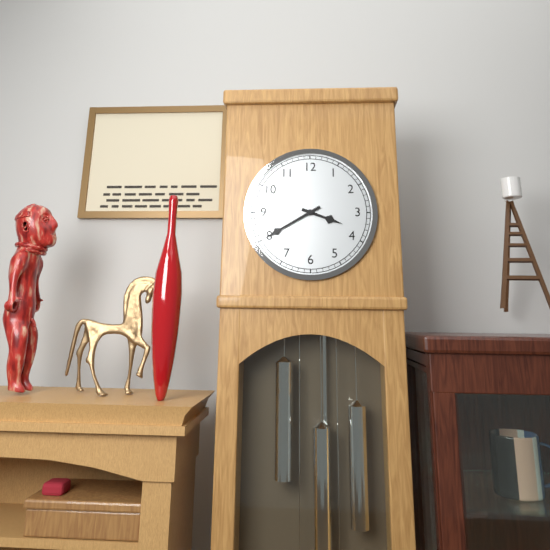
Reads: 3h40
